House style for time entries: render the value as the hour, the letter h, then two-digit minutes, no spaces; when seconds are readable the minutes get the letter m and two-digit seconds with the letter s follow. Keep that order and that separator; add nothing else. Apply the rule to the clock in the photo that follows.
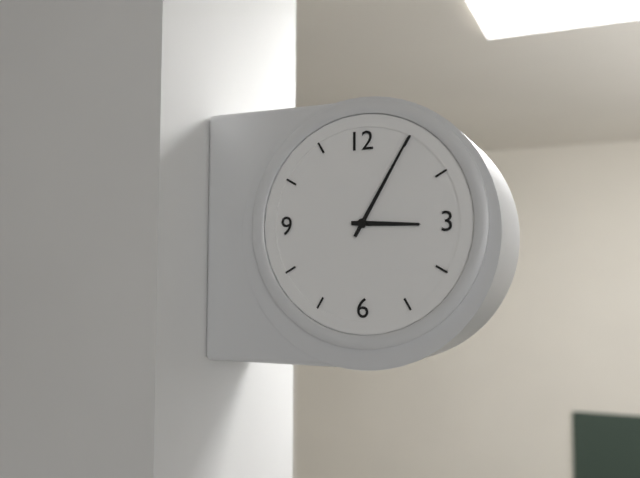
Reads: 3h05
